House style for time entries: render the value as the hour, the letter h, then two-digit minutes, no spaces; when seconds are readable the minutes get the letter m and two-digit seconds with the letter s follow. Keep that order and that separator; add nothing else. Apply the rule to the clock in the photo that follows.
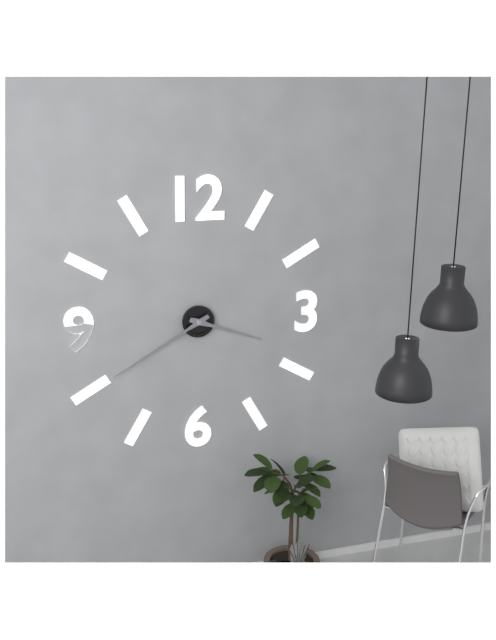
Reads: 3h40
